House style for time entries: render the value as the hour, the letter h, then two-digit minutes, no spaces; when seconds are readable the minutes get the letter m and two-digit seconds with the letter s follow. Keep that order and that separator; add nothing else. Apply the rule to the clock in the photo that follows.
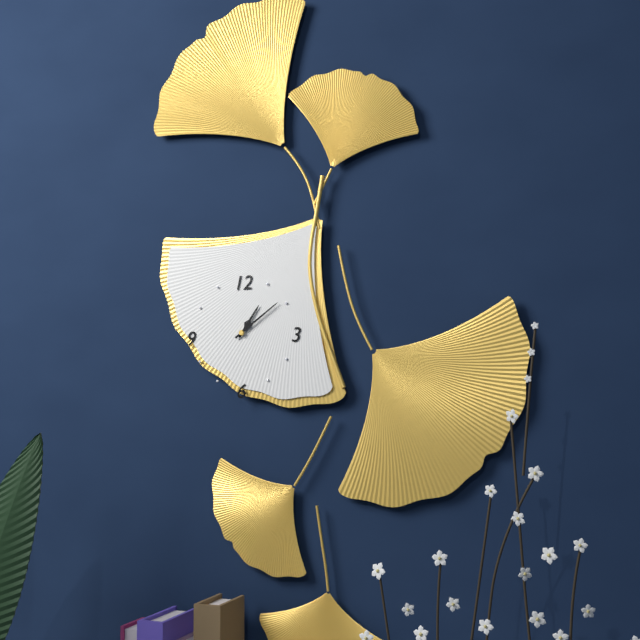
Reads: 1h09
